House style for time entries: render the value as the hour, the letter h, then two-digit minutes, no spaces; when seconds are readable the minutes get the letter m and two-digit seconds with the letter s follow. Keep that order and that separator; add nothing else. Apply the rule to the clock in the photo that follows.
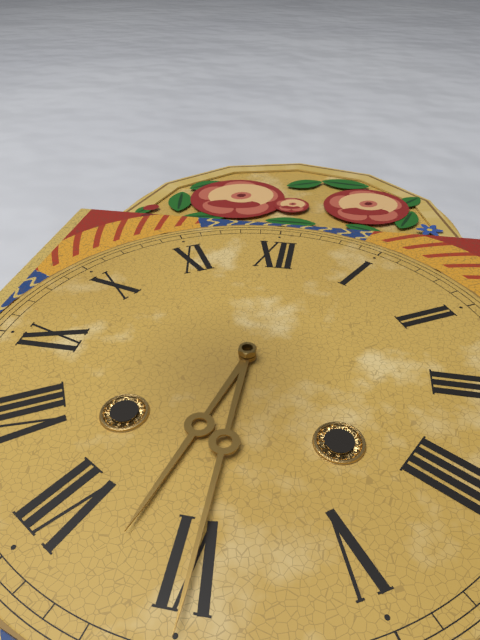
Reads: 6h30
